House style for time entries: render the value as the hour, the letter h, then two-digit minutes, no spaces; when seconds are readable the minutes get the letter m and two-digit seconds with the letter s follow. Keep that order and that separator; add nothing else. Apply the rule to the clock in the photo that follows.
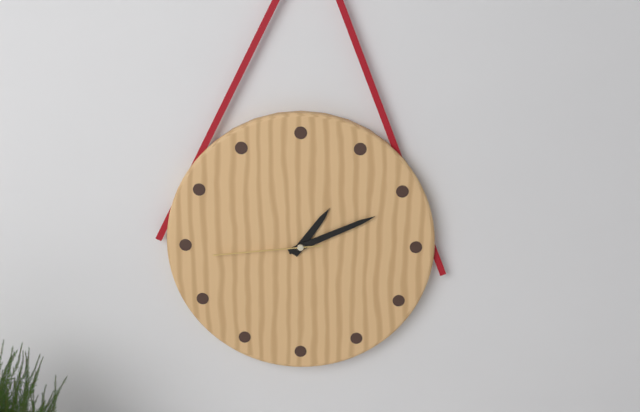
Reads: 1h11m44s
